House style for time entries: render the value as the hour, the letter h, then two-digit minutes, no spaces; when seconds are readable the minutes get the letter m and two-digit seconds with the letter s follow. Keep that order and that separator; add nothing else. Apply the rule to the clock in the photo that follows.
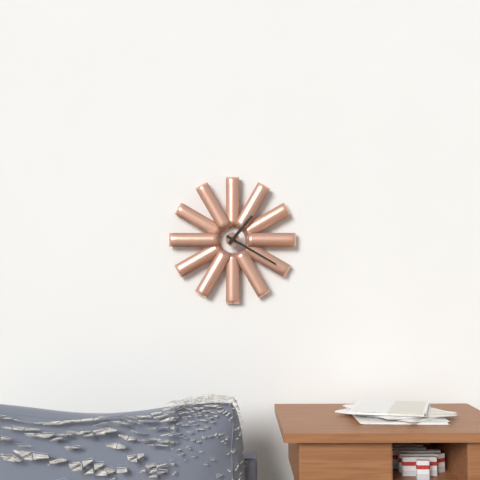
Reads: 1h20
